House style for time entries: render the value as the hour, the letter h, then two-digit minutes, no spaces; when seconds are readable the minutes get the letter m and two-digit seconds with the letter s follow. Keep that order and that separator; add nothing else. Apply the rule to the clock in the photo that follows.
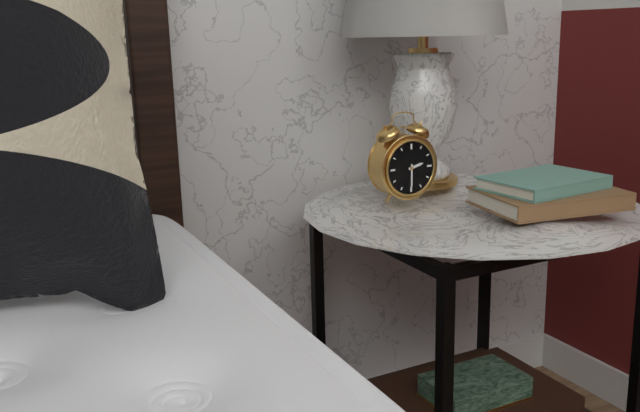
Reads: 2h30
